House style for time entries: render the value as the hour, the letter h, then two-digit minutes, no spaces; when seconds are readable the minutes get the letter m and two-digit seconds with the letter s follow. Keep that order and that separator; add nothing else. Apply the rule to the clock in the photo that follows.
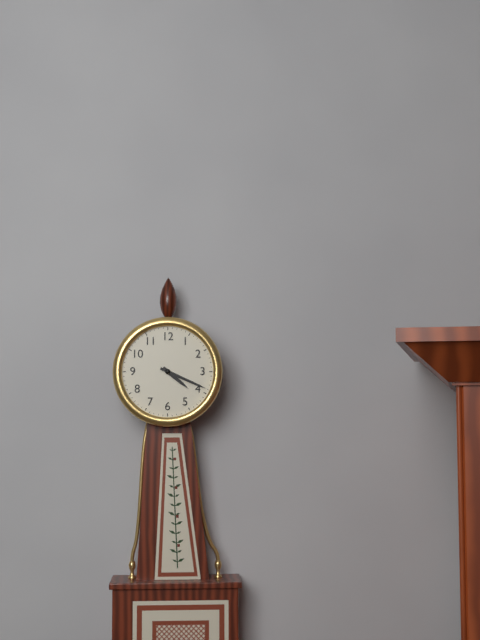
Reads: 4h19
